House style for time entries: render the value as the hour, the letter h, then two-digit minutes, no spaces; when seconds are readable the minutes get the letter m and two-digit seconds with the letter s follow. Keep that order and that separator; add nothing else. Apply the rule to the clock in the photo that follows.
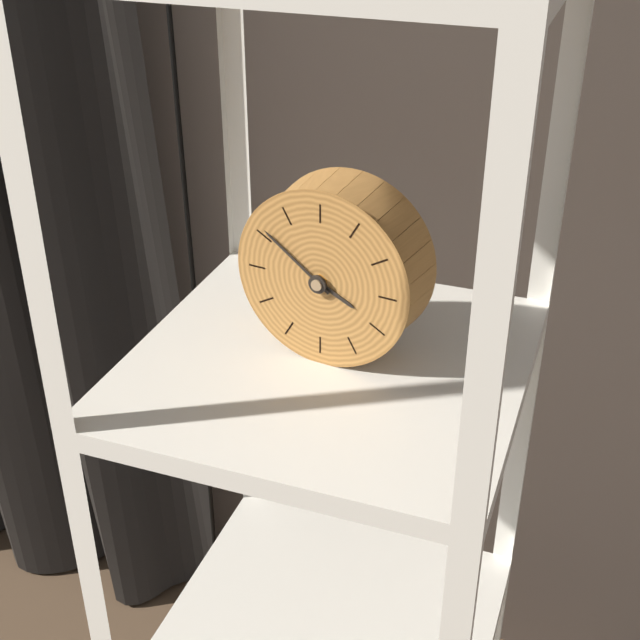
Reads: 3h51
